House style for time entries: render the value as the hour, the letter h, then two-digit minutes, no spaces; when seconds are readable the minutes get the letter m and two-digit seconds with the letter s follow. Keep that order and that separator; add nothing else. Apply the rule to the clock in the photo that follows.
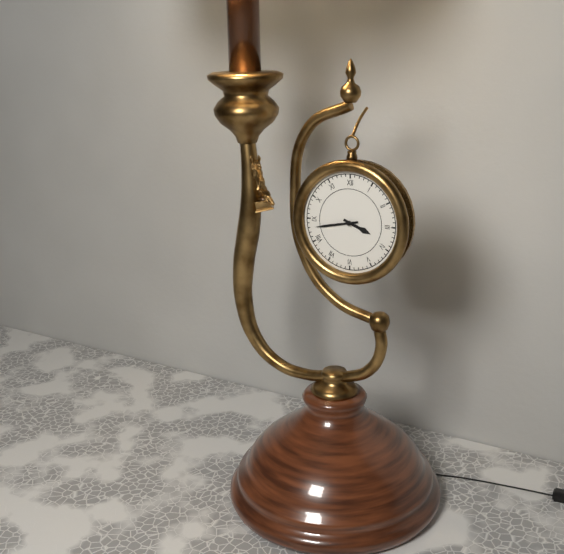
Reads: 3h43
